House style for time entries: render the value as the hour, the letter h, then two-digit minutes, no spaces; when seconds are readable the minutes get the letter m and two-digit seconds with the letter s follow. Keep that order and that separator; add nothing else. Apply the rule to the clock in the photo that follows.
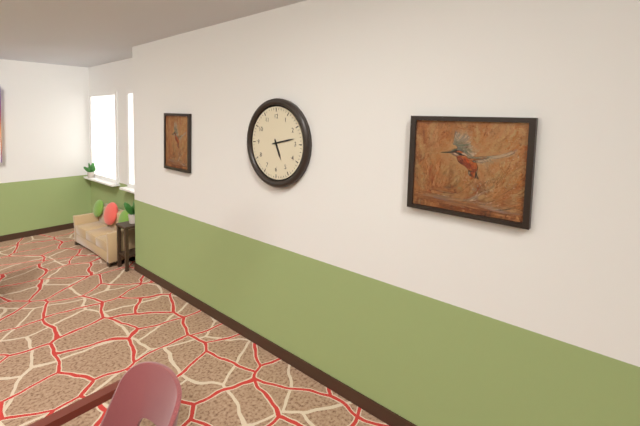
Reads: 5h13
